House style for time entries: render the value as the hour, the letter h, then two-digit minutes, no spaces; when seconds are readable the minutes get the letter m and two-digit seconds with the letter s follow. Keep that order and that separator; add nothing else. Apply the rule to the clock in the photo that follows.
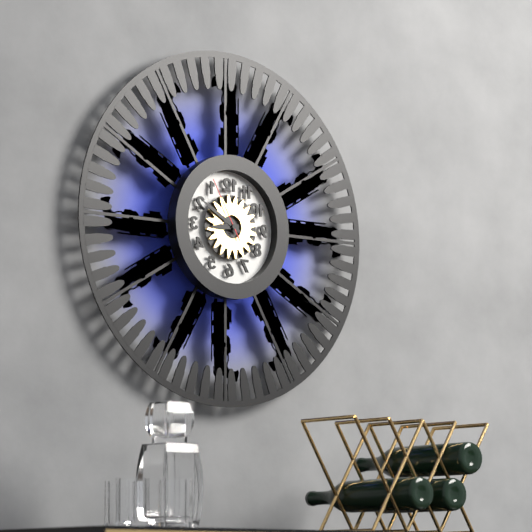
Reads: 8h50m55s
